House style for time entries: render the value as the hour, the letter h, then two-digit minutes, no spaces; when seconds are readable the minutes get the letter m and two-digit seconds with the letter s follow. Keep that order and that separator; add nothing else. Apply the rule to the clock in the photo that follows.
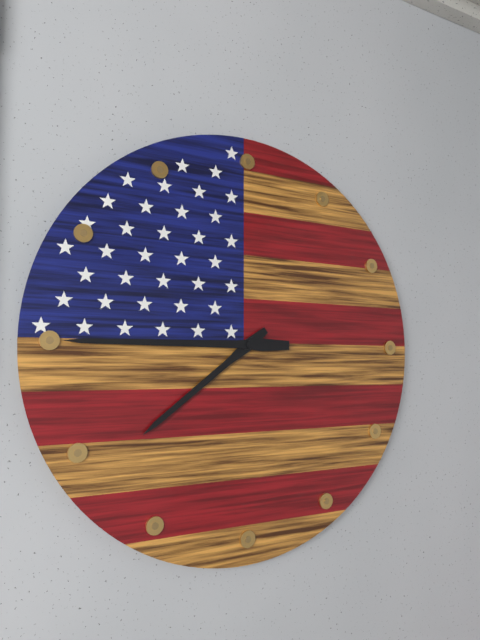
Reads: 7h45
